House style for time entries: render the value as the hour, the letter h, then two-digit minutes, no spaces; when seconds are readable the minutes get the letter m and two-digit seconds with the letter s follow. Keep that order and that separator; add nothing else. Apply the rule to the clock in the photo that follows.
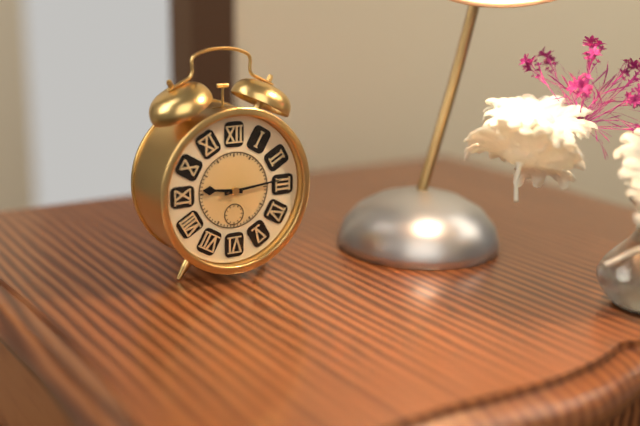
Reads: 9h14
